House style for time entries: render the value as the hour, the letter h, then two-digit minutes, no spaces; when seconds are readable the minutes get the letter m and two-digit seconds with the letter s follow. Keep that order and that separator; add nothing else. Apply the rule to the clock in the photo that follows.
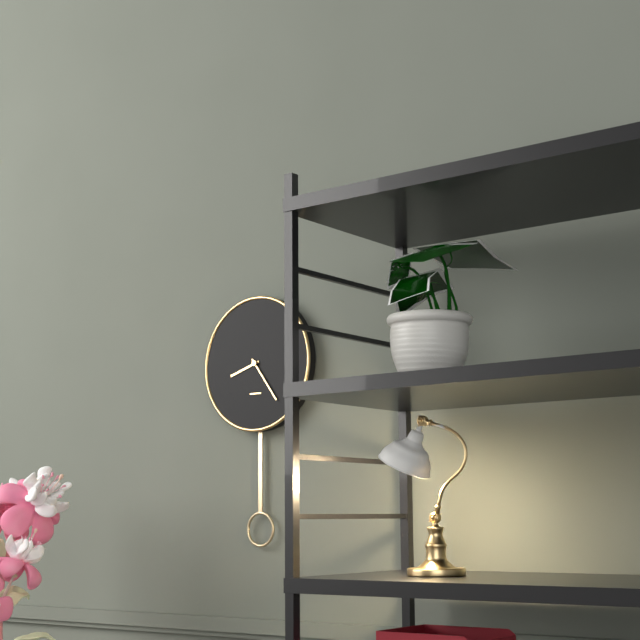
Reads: 8h24
